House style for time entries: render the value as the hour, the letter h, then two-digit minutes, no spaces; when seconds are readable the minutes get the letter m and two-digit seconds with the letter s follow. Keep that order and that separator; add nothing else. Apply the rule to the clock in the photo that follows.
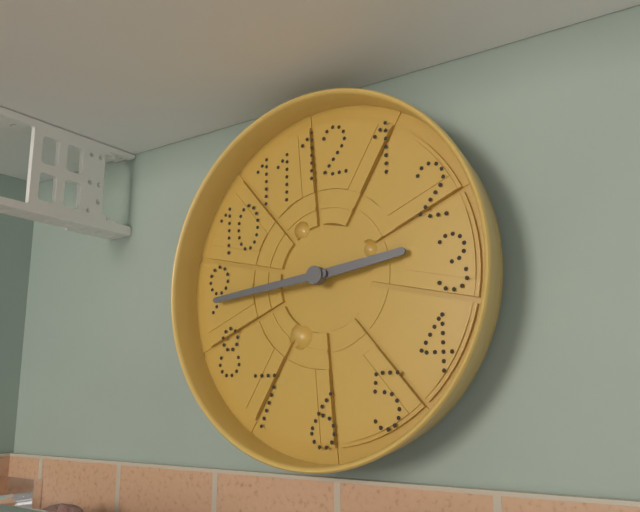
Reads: 2h44
